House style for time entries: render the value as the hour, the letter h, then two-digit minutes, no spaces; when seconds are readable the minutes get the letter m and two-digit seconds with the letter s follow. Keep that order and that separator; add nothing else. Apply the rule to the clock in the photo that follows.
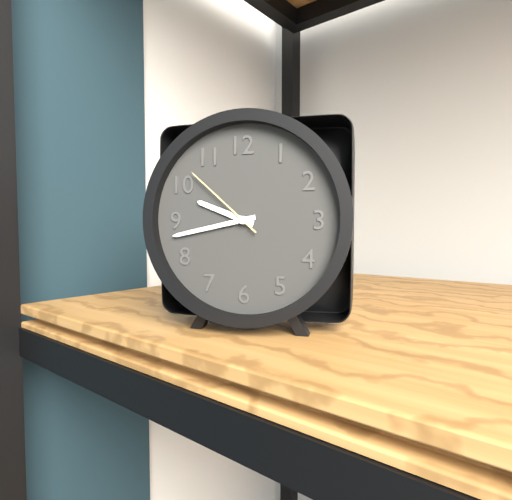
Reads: 9h43m52s
